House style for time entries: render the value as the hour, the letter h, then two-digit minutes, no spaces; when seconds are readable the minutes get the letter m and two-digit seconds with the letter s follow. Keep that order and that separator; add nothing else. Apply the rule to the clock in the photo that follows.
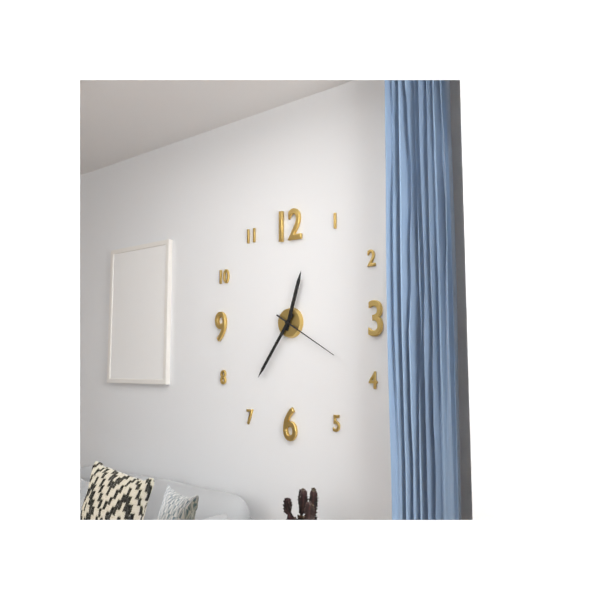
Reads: 12h36m20s
